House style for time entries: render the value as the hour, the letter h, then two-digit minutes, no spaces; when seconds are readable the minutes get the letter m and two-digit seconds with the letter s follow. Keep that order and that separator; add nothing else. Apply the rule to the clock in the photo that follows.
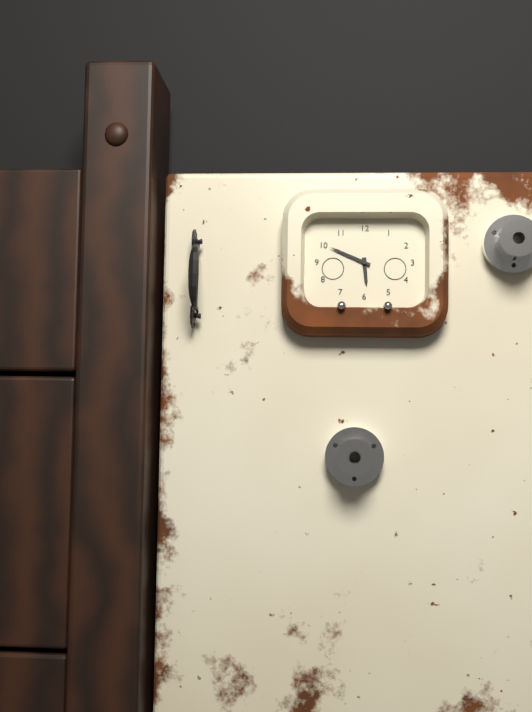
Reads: 5h49
